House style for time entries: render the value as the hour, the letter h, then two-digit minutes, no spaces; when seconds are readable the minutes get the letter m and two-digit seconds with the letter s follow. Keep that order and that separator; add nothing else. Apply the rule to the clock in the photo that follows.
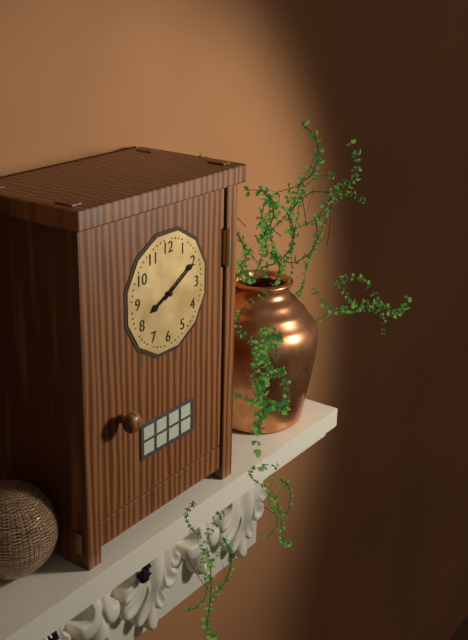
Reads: 8h10
